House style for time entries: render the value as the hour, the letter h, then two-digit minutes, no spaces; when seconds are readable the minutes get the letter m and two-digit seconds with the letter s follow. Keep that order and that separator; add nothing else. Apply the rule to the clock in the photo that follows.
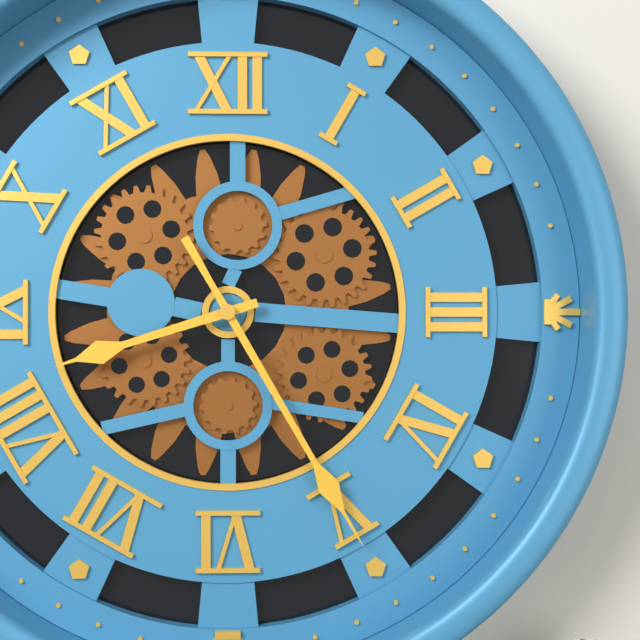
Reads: 8h25
